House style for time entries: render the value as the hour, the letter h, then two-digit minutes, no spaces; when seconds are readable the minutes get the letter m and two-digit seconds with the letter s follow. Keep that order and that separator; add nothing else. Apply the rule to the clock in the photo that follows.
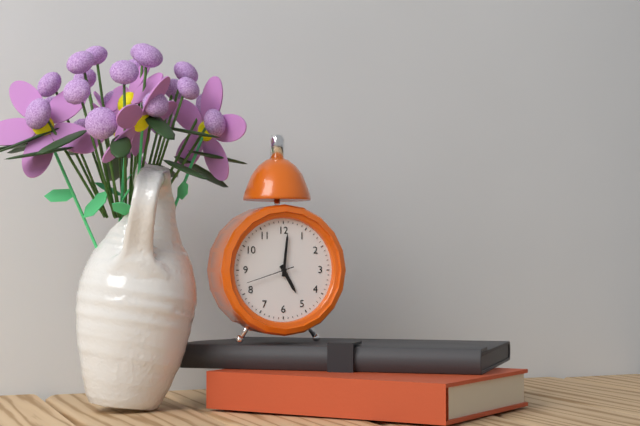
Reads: 5h01
